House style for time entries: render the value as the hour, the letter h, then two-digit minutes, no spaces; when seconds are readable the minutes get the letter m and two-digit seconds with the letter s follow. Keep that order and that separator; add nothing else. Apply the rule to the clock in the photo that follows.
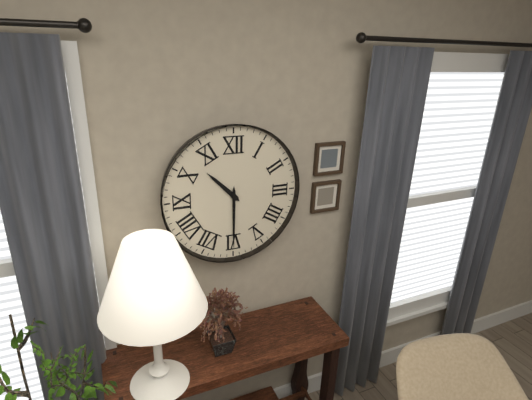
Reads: 10h30
